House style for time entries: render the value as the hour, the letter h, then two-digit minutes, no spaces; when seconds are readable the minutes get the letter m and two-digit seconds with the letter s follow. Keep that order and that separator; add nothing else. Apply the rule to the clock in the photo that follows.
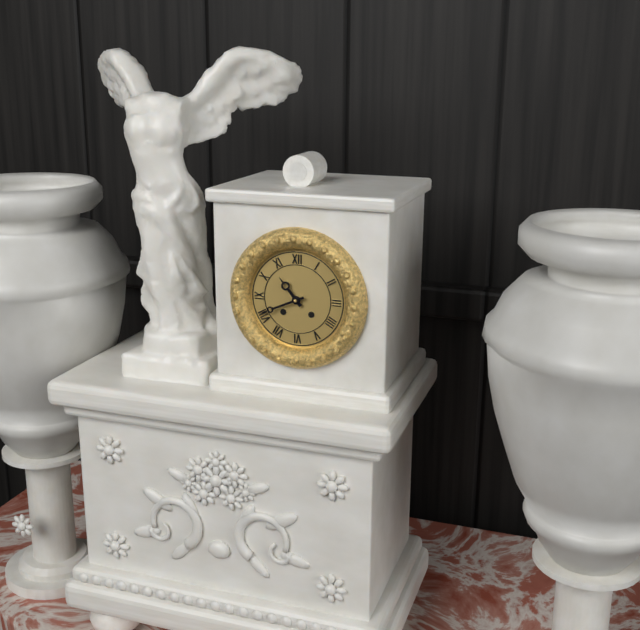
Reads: 10h41
